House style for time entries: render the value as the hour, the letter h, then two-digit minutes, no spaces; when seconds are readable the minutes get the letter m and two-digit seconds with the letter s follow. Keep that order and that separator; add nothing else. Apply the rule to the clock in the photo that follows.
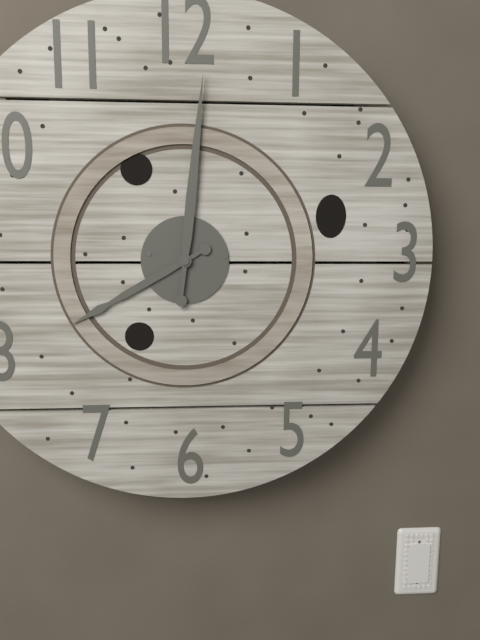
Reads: 8h01
